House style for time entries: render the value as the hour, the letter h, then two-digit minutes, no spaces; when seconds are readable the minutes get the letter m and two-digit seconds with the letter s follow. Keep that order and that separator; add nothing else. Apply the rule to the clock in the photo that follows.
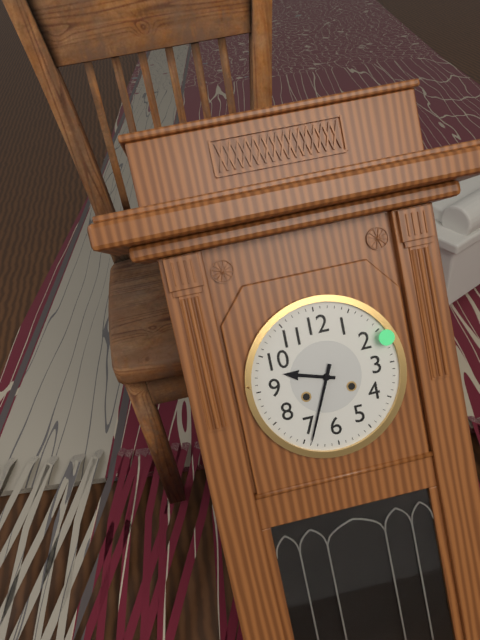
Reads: 9h34
